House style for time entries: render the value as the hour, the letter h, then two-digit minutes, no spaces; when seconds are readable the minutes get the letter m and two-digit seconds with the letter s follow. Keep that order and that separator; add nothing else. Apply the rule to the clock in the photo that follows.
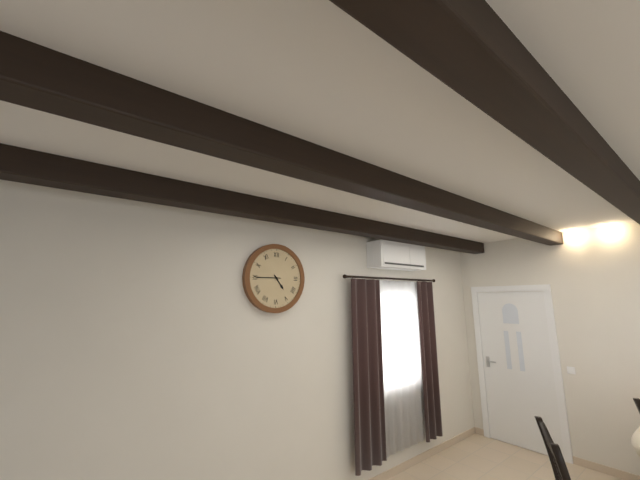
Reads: 4h45
